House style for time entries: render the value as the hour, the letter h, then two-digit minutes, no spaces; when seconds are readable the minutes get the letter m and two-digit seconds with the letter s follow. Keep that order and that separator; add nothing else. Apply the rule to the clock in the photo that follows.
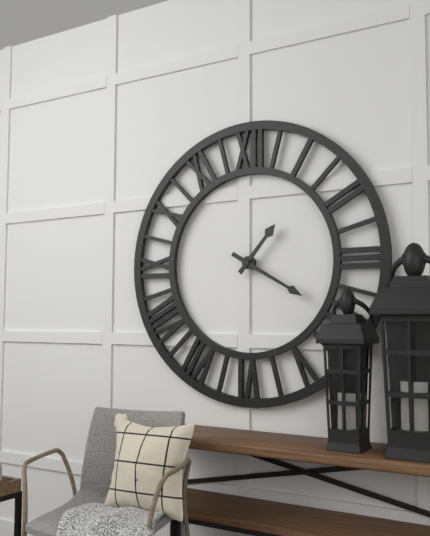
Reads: 1h20
